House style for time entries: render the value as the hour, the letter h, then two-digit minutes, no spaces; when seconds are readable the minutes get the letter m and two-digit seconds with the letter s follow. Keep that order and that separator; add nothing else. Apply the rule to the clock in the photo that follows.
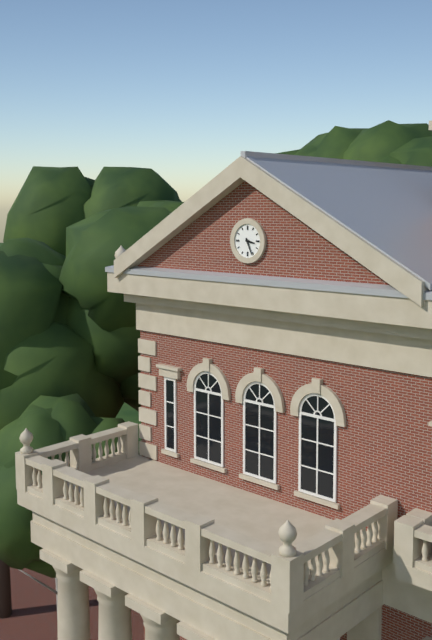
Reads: 3h26
